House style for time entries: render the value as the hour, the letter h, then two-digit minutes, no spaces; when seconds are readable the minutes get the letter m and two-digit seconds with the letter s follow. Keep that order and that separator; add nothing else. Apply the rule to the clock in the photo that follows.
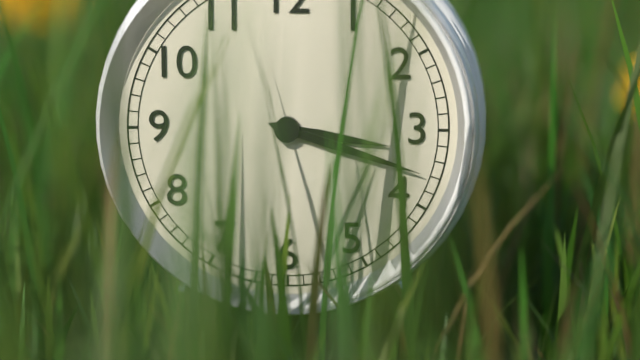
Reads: 3h18
